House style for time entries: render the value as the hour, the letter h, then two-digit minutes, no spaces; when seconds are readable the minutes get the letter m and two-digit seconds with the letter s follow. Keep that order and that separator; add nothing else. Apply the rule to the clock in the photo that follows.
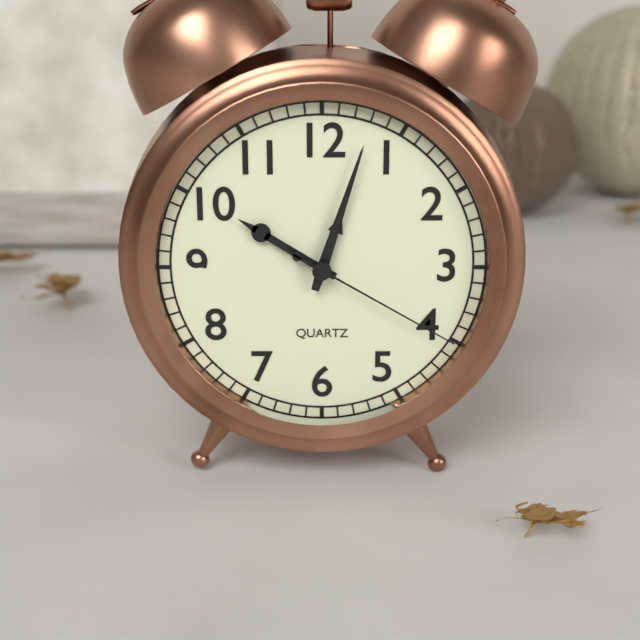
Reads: 10h03m20s
